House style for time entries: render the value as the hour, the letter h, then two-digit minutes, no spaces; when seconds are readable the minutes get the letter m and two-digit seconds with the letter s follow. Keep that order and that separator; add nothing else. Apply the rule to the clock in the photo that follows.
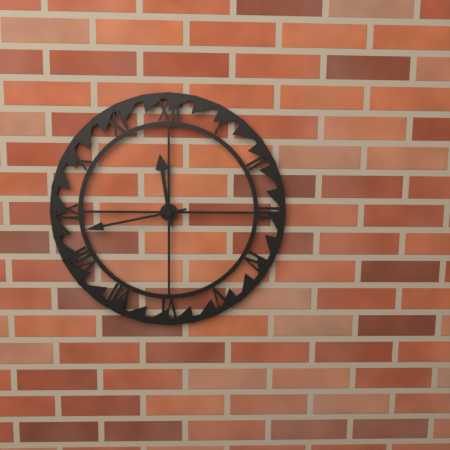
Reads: 11h43
